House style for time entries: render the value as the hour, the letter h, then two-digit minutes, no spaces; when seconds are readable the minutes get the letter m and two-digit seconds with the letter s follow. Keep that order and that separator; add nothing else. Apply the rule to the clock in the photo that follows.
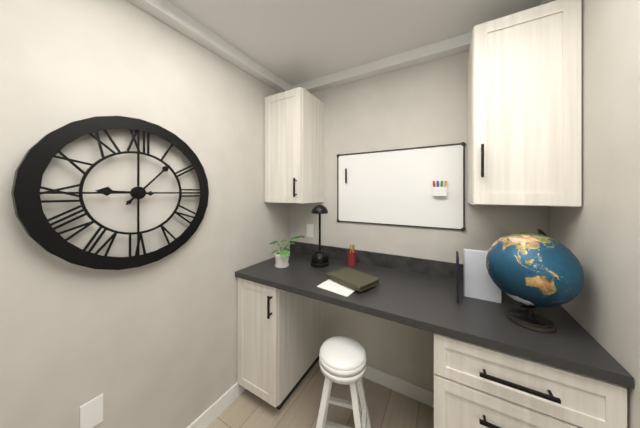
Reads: 9h07
